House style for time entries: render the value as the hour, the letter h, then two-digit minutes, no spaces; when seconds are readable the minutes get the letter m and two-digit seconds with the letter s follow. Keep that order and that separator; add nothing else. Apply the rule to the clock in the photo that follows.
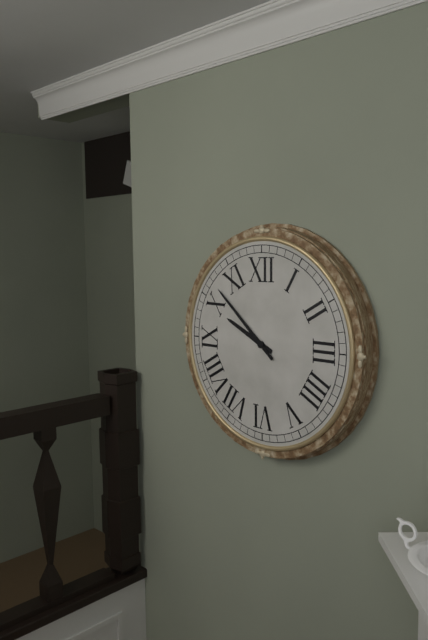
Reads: 9h52
